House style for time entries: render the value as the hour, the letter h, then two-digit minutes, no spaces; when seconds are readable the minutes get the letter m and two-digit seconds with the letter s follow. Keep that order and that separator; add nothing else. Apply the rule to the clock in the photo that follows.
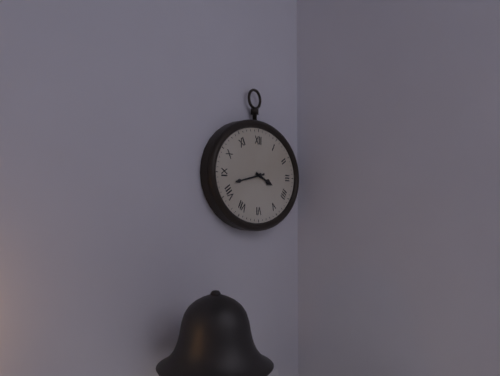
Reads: 3h43
